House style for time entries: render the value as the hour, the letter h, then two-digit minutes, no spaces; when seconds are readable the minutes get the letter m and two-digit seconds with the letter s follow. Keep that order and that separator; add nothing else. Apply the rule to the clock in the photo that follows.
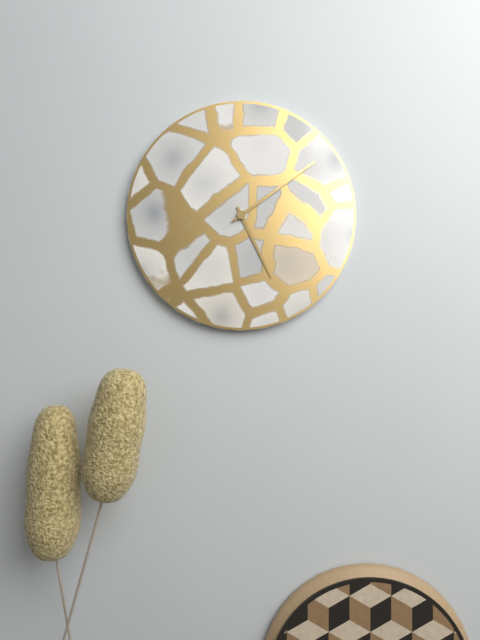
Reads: 5h09
